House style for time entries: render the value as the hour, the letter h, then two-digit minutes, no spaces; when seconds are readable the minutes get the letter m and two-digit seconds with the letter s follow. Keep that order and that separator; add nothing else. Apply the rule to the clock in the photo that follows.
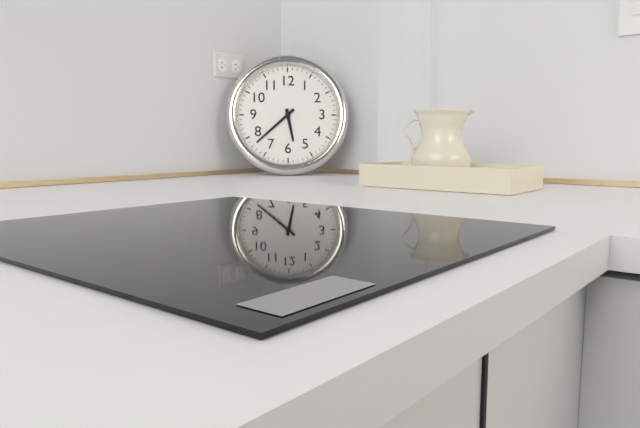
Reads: 5h38
